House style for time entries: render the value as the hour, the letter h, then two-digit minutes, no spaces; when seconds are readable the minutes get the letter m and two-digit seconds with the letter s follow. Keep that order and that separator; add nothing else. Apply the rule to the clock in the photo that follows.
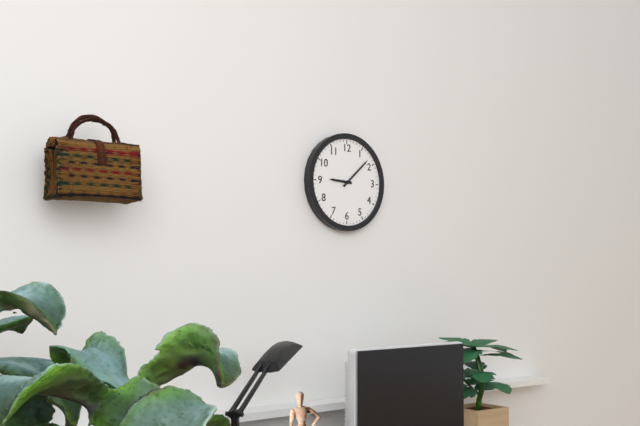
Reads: 9h08
